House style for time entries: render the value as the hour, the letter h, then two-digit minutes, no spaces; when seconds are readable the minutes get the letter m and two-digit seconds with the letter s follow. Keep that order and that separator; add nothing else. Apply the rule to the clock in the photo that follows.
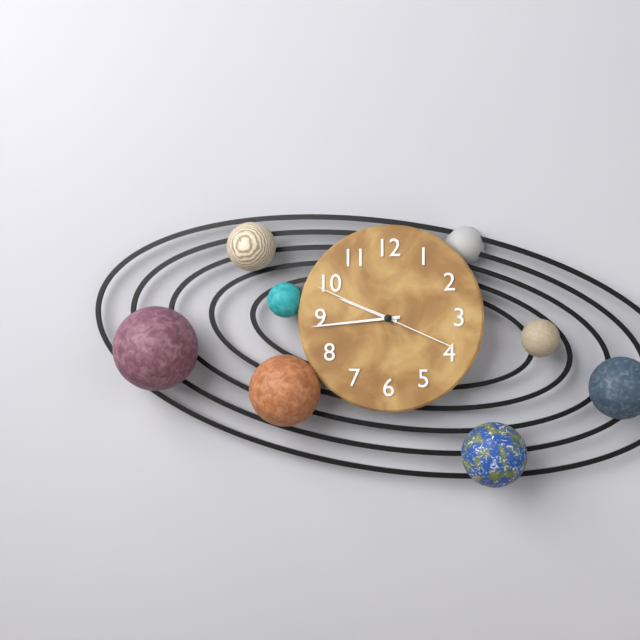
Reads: 9h44m49s
